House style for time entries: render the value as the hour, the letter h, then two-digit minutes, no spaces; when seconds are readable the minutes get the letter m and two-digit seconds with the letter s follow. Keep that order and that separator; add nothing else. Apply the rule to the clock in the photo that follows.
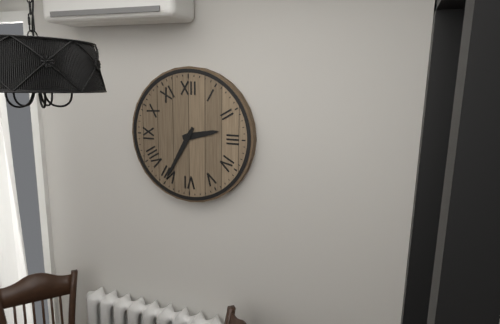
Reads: 2h35
